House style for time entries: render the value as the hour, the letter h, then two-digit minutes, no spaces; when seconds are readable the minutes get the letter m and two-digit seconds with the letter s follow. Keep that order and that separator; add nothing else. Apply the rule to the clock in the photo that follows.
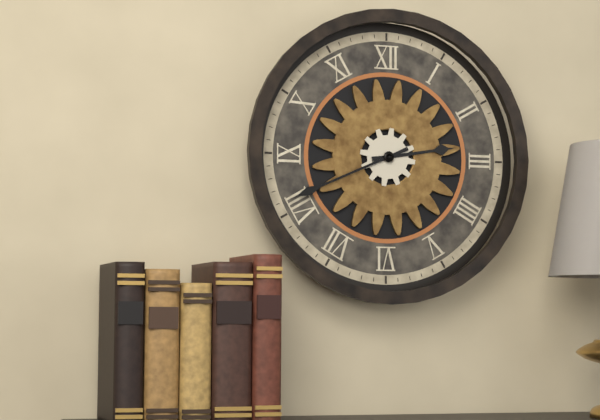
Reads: 2h41
